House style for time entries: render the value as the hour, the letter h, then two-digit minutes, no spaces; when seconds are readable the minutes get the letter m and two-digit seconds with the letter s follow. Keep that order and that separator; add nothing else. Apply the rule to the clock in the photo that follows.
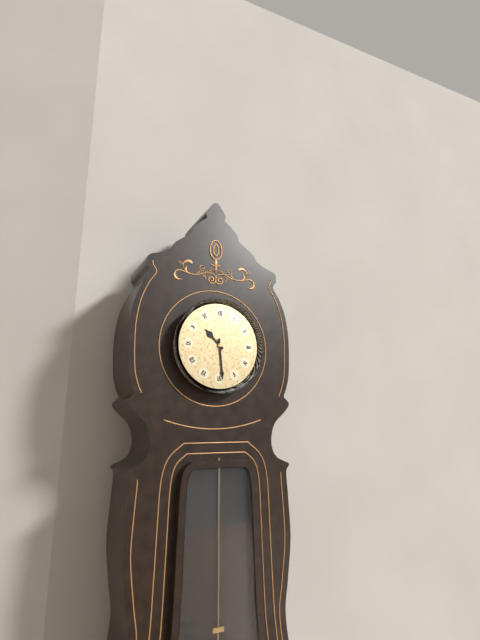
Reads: 10h29
